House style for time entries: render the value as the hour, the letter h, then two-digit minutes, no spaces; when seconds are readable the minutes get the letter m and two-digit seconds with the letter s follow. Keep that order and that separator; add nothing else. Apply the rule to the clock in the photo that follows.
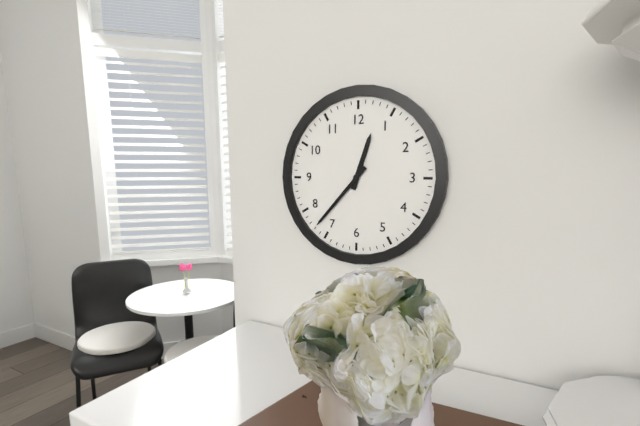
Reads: 12h37
